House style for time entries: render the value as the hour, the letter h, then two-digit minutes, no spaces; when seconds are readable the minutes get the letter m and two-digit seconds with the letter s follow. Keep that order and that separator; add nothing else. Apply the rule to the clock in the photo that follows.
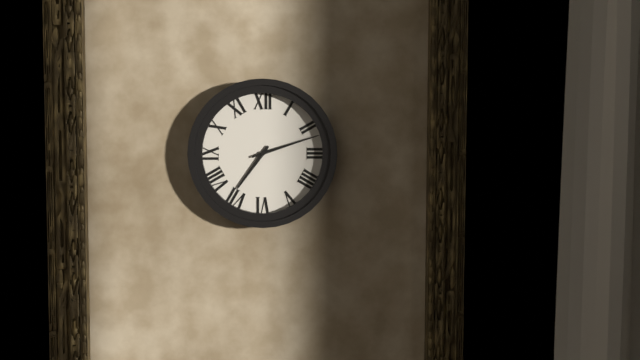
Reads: 7h12
